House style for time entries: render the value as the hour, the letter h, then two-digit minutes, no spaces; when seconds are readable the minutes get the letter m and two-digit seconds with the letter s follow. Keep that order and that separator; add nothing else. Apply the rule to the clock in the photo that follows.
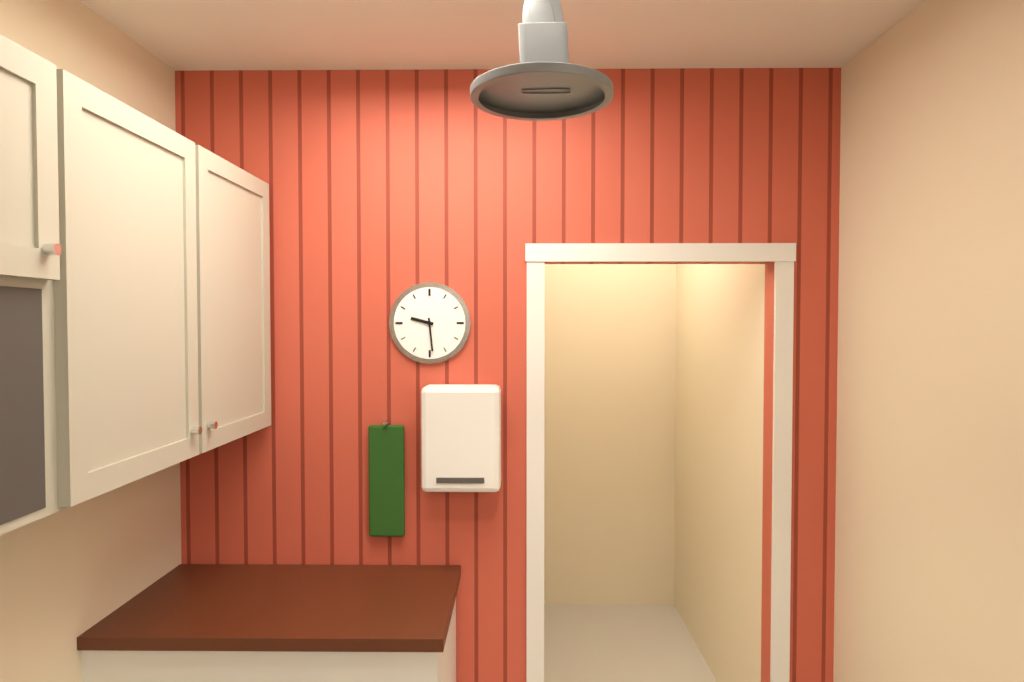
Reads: 9h29
